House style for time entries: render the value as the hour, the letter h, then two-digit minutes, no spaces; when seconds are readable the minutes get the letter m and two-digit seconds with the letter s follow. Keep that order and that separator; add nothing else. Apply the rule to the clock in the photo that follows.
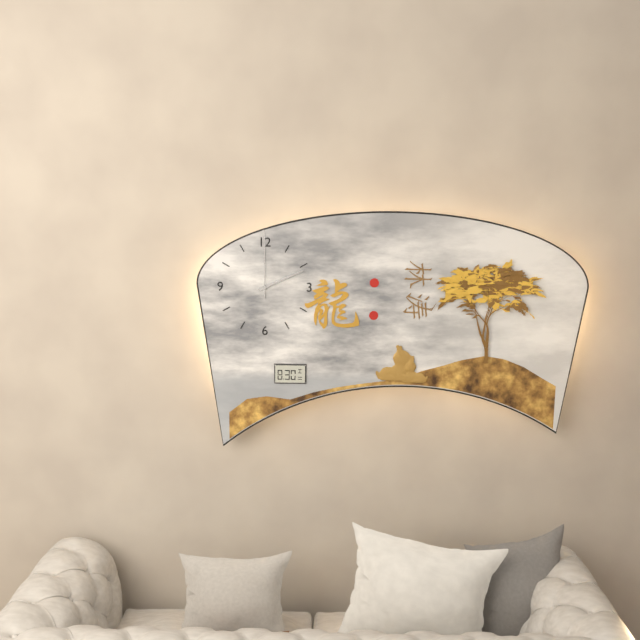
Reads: 2h11m00s
